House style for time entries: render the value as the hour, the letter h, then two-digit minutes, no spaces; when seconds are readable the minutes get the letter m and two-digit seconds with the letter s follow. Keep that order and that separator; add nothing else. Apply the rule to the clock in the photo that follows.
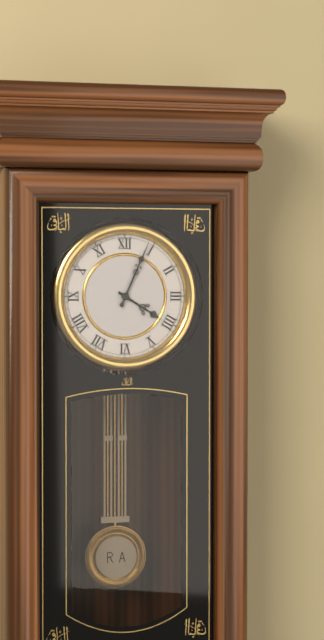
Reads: 4h04
